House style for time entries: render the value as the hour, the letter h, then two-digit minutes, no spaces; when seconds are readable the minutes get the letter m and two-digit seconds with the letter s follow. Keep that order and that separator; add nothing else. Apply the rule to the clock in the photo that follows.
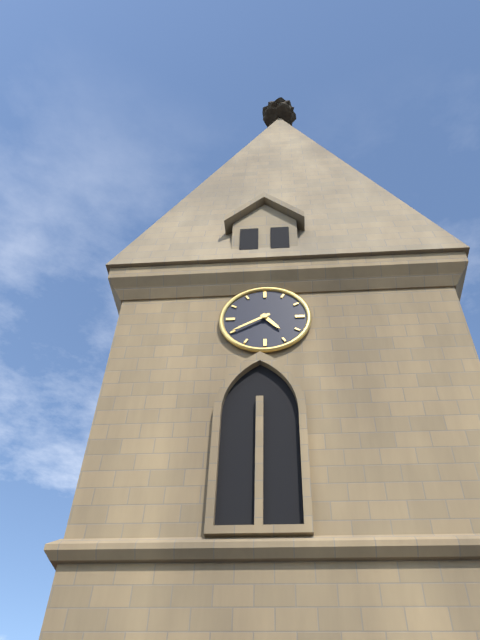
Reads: 4h40
